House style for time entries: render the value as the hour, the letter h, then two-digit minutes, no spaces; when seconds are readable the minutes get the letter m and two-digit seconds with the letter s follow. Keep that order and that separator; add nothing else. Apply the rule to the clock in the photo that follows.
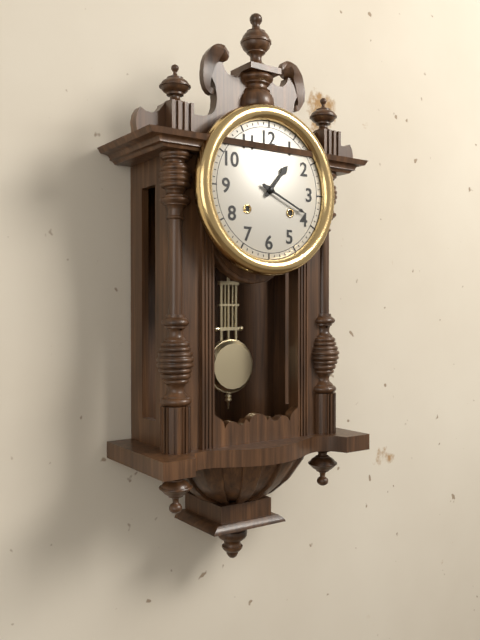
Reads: 1h19
